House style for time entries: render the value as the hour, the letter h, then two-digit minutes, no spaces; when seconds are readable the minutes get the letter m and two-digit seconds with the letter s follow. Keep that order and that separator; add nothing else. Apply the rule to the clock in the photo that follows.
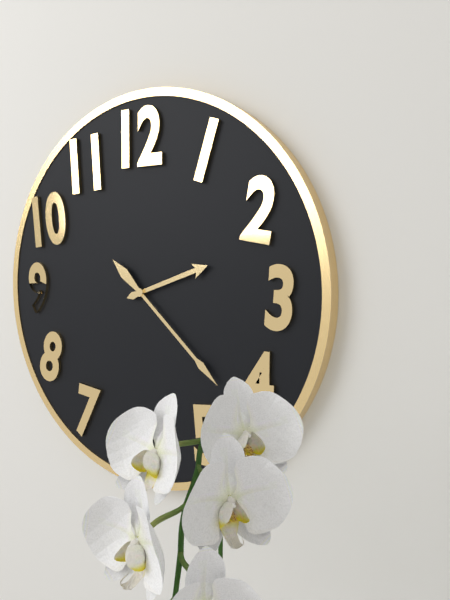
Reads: 2h22
